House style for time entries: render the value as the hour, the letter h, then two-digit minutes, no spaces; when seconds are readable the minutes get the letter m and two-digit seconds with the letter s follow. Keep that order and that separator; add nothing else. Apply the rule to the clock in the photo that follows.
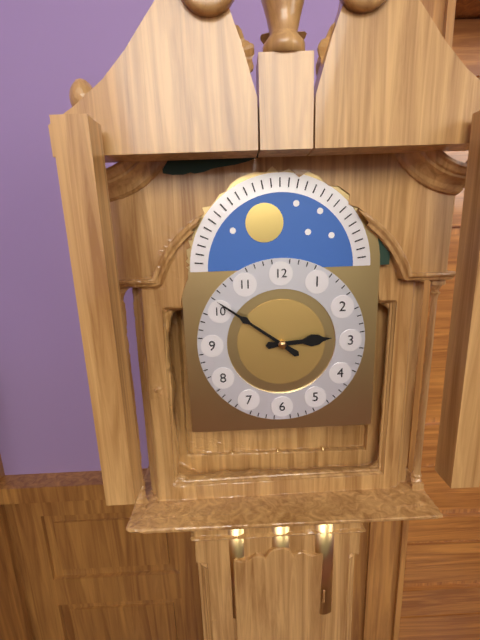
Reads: 2h51
